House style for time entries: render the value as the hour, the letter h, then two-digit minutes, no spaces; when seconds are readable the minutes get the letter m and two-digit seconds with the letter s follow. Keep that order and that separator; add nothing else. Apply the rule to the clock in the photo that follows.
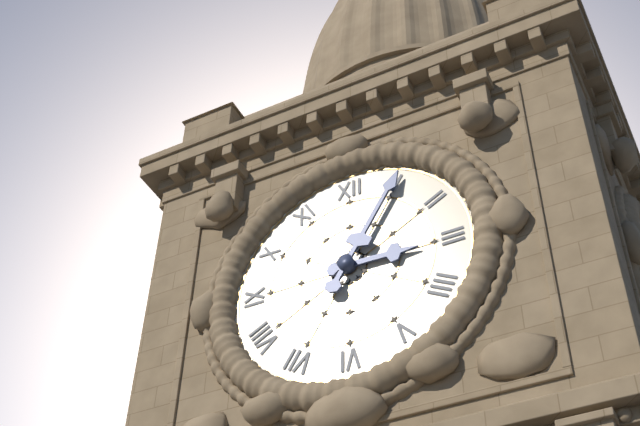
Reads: 3h05
